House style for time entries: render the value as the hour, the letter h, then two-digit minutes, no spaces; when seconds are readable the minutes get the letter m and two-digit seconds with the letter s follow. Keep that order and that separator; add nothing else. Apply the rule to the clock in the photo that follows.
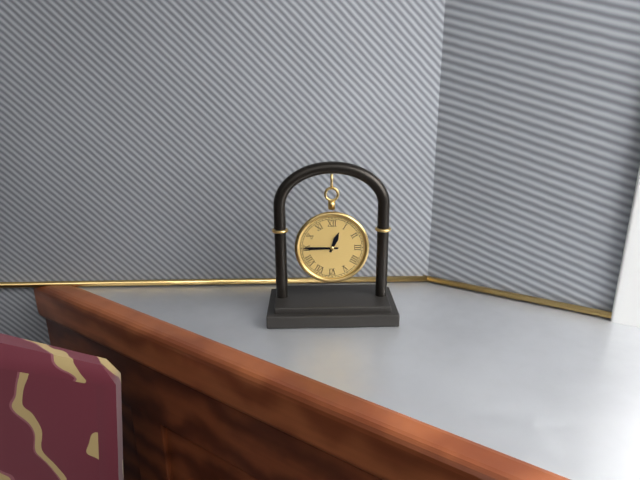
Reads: 12h45
